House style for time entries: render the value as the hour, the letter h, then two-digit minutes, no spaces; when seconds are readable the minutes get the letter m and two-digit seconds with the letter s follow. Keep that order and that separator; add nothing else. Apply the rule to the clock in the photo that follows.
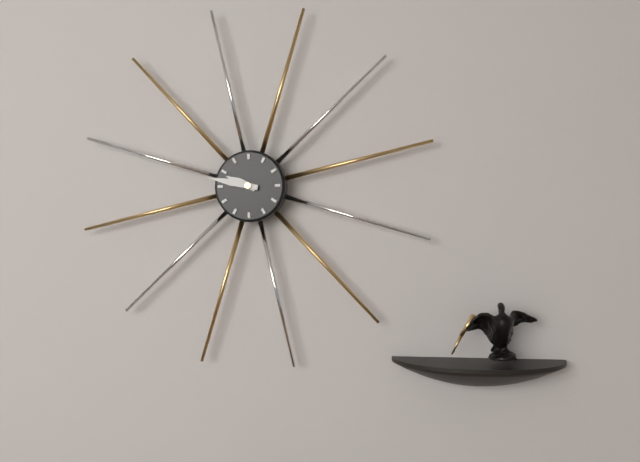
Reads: 9h47
